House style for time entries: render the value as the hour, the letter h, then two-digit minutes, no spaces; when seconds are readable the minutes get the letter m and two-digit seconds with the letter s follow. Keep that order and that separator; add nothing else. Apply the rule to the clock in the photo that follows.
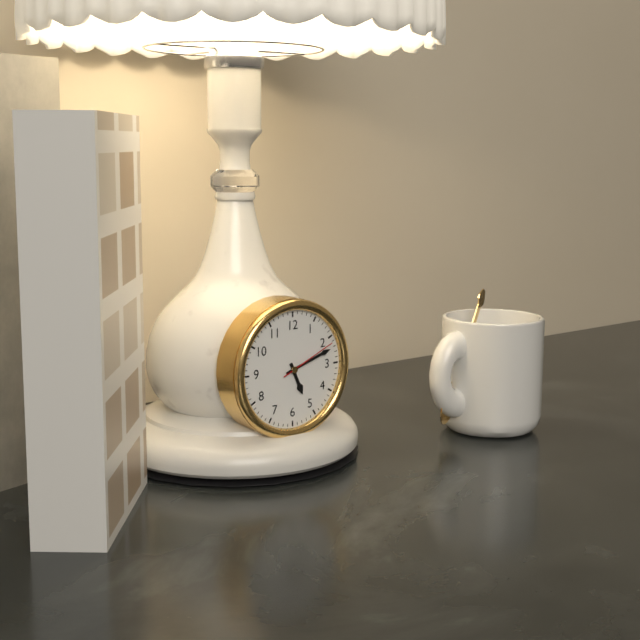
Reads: 5h12m11s
